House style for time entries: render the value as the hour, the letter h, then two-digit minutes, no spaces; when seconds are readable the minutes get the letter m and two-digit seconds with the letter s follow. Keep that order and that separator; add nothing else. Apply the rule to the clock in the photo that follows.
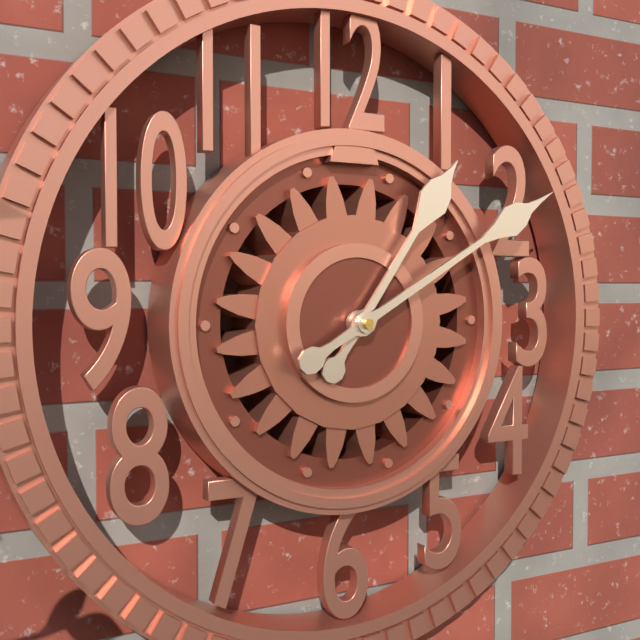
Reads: 1h10
